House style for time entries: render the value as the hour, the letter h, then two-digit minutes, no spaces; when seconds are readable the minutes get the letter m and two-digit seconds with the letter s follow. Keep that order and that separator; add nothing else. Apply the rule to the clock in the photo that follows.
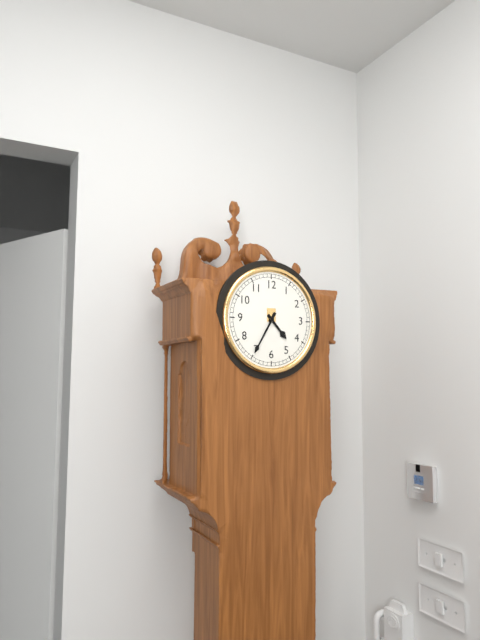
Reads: 4h35
